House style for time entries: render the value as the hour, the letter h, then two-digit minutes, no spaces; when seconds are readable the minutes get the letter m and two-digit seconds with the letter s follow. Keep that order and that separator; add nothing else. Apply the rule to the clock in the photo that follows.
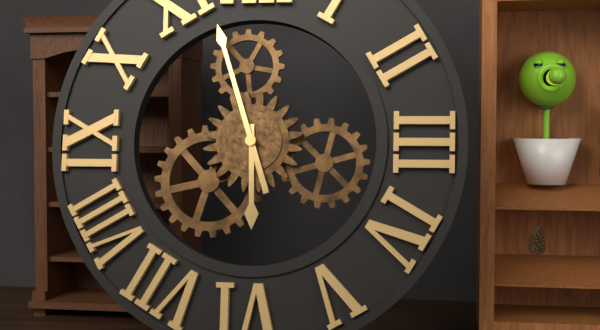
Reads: 5h57
